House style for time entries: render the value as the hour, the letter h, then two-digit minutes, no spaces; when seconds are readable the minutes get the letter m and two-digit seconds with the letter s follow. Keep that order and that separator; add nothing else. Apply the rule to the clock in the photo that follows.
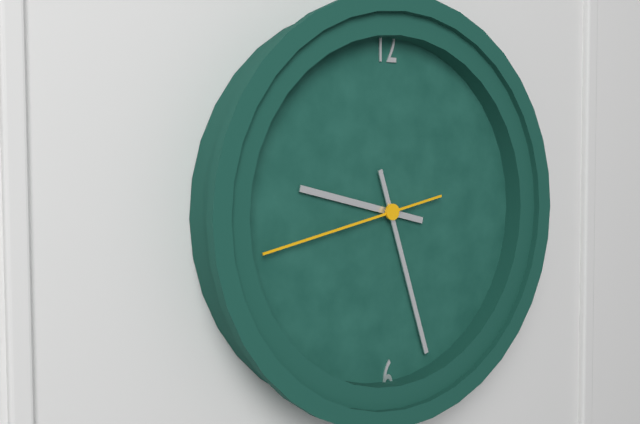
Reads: 9h27m43s
